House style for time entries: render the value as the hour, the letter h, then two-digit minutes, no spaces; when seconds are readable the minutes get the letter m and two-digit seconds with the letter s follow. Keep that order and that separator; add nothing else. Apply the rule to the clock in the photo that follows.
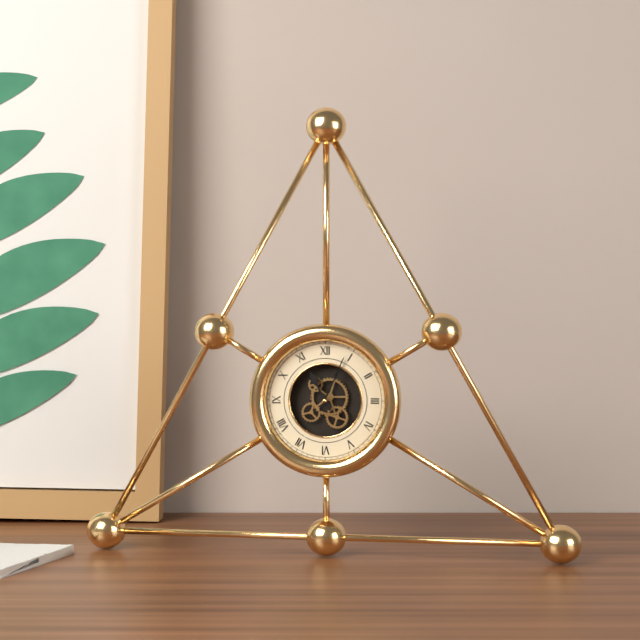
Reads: 11h04
